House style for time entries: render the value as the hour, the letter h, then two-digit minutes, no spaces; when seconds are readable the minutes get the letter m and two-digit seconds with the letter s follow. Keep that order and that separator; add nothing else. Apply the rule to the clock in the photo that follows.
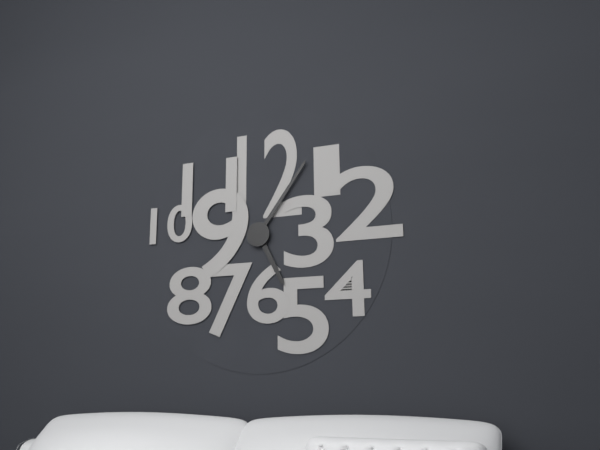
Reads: 5h06
